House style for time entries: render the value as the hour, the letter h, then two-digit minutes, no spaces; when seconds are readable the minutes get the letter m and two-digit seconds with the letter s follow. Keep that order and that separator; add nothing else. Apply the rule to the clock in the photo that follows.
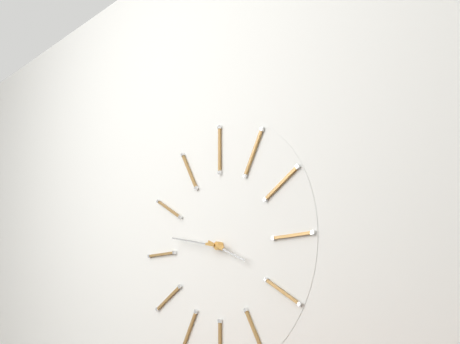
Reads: 3h47
